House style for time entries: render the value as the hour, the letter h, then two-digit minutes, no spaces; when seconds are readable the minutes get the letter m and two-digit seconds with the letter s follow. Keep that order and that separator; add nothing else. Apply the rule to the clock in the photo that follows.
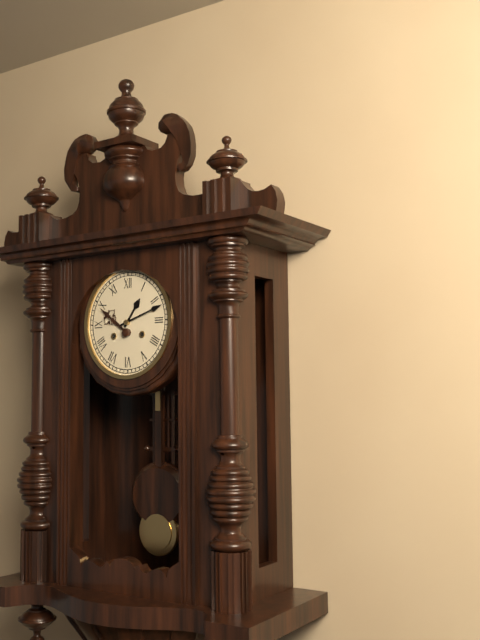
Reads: 1h12
